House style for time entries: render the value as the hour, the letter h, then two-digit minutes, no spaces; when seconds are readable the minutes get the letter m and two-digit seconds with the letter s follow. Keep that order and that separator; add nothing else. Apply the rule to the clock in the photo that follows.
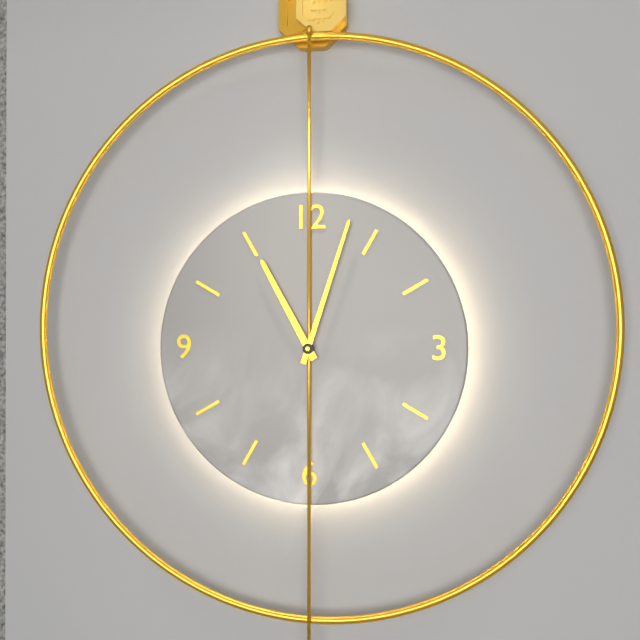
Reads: 11h03
